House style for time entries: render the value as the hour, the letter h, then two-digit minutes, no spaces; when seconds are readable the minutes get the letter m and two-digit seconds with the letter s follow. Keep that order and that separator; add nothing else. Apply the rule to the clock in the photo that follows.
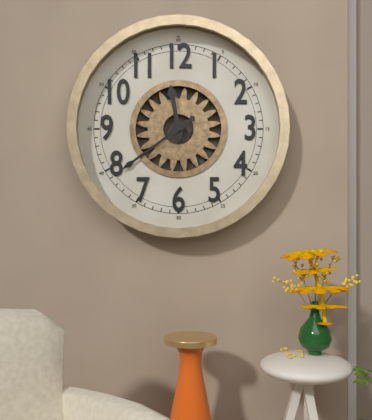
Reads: 11h39
